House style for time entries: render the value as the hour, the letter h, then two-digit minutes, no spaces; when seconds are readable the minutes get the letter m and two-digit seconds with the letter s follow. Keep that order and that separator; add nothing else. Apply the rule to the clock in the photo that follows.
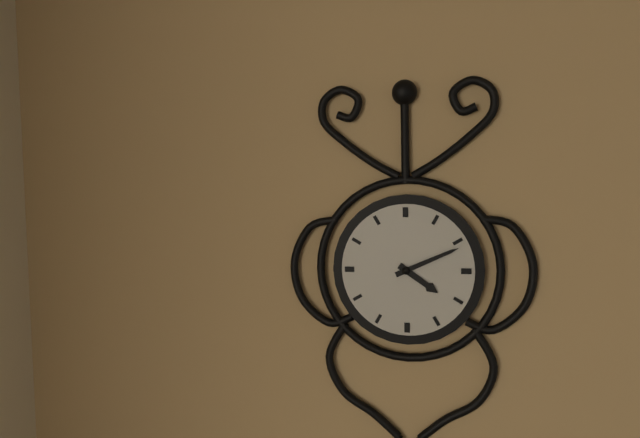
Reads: 4h11
